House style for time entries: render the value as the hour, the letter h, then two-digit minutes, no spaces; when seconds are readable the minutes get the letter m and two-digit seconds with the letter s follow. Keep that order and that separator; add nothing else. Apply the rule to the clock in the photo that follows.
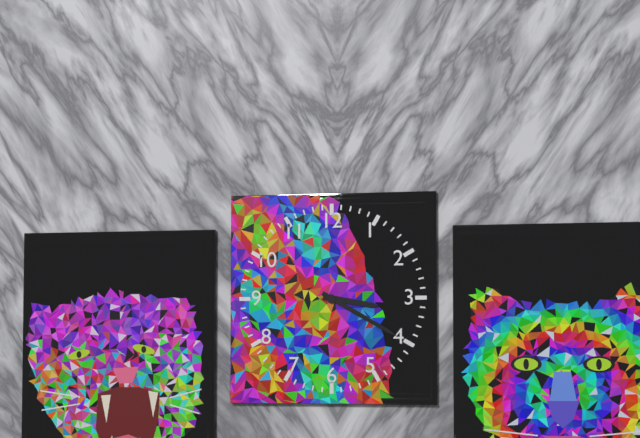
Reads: 3h20
